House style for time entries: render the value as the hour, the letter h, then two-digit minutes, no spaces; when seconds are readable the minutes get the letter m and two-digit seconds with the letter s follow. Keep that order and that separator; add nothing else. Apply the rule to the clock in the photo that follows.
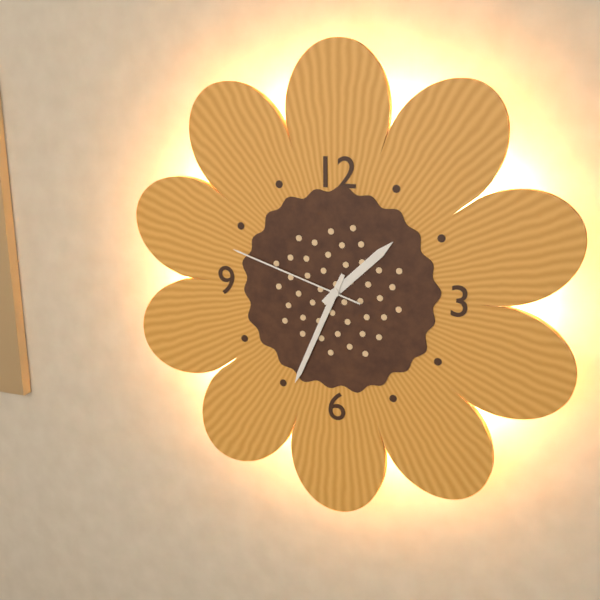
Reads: 1h34m48s
